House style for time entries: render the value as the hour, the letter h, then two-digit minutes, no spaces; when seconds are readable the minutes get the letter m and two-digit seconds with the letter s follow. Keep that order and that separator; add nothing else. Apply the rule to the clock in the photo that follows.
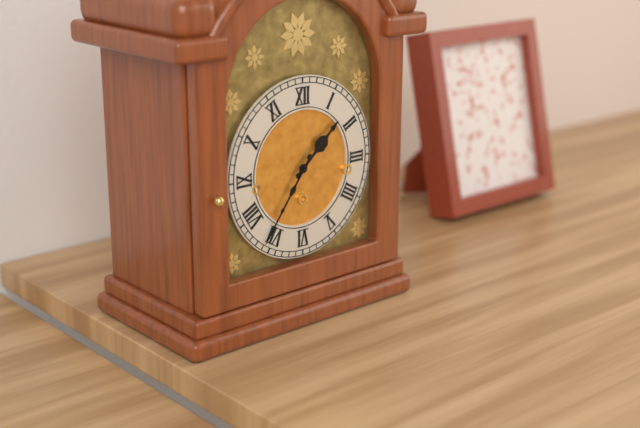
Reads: 1h36
